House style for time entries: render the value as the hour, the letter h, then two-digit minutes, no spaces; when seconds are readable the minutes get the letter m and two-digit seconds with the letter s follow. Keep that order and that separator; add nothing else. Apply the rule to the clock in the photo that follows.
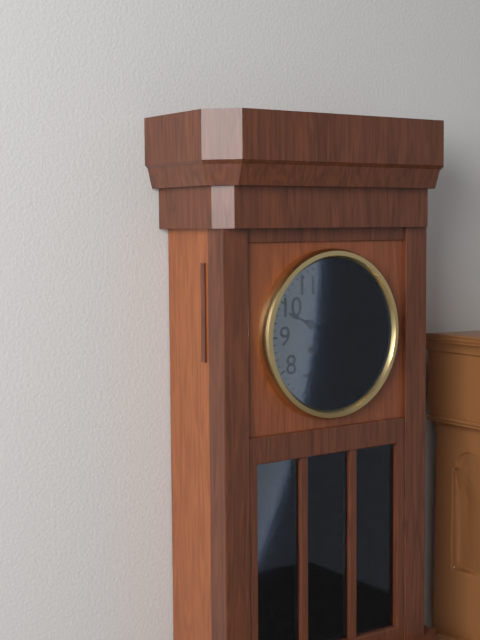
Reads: 9h49
